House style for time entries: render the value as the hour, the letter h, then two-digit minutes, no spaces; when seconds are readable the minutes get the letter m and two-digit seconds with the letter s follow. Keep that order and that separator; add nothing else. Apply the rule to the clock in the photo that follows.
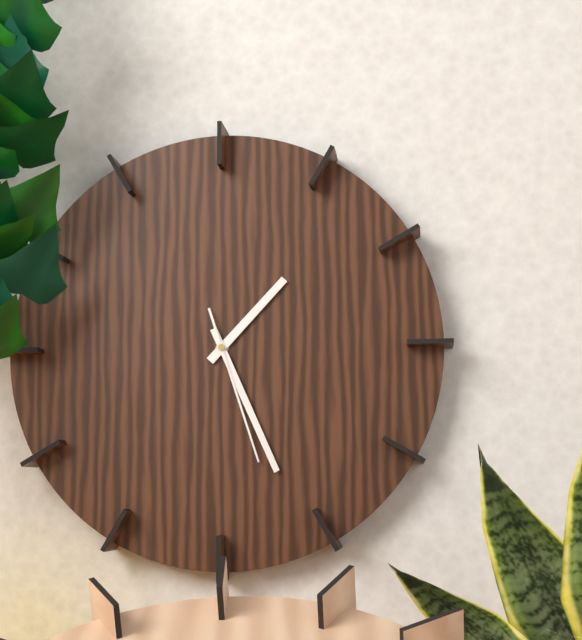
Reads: 1h26m27s
